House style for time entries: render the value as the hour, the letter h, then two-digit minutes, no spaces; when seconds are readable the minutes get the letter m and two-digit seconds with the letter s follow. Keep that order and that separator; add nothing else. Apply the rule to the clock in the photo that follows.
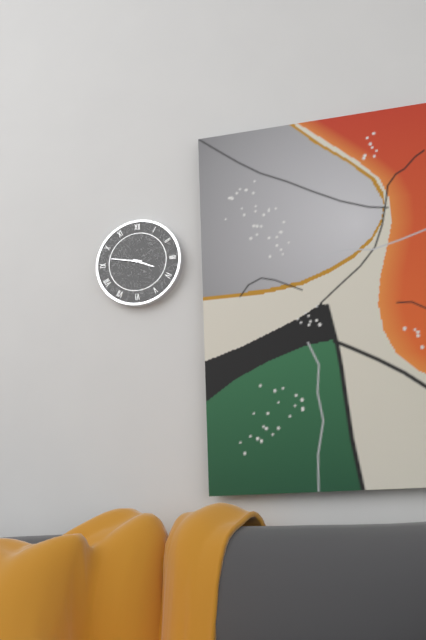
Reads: 3h47
